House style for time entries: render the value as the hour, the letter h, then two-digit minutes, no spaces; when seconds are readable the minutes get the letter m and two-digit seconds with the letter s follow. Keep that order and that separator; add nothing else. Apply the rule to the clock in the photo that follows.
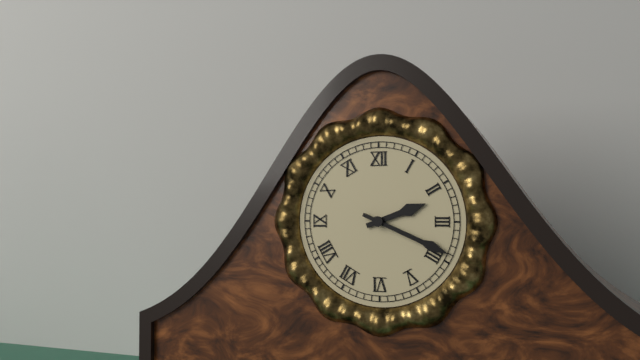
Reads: 2h19
